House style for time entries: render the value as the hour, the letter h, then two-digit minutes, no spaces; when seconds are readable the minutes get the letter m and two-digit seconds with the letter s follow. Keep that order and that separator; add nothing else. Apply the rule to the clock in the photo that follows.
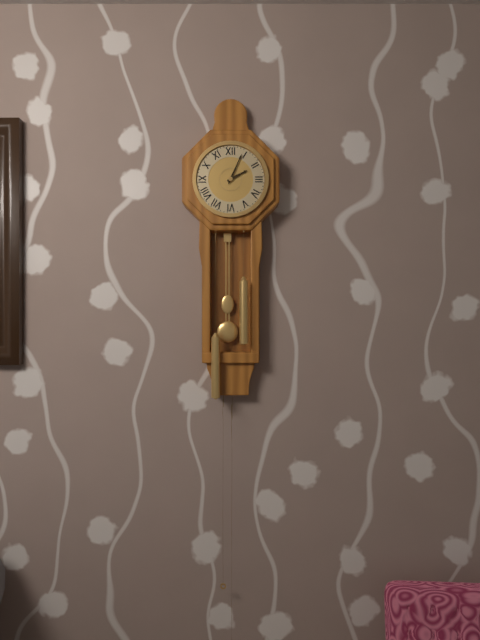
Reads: 2h04
